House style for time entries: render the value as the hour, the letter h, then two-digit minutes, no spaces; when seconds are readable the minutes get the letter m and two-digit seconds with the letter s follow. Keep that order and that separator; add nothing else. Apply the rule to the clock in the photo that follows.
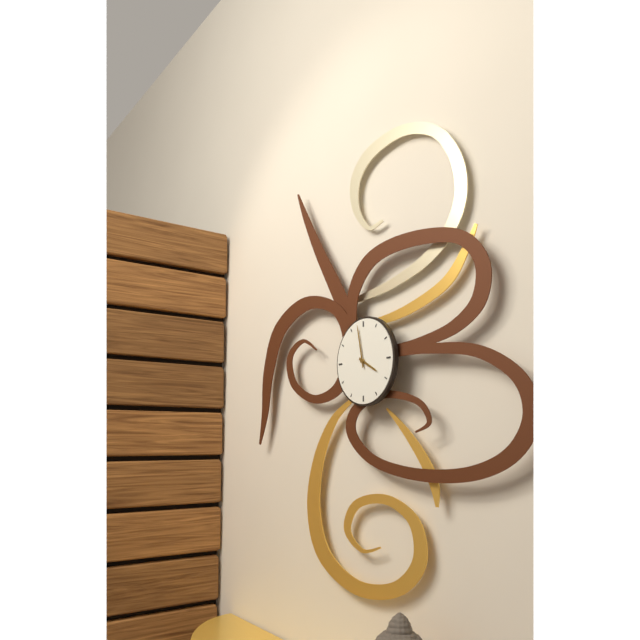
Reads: 3h58
